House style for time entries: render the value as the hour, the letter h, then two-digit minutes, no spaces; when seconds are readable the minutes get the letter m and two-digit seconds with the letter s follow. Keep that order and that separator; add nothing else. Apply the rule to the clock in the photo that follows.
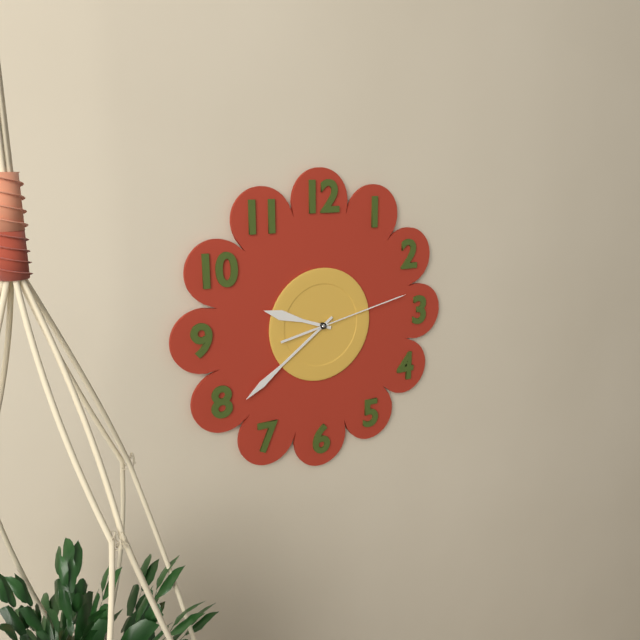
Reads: 9h39m13s
